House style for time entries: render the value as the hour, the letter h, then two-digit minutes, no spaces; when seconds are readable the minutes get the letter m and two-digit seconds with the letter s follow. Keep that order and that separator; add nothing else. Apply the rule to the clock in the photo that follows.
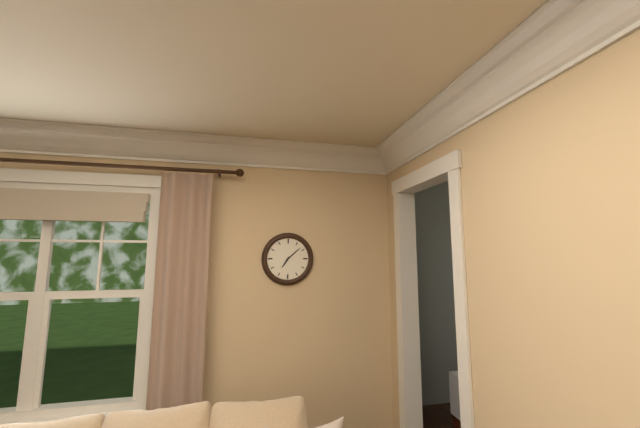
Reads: 7h08
